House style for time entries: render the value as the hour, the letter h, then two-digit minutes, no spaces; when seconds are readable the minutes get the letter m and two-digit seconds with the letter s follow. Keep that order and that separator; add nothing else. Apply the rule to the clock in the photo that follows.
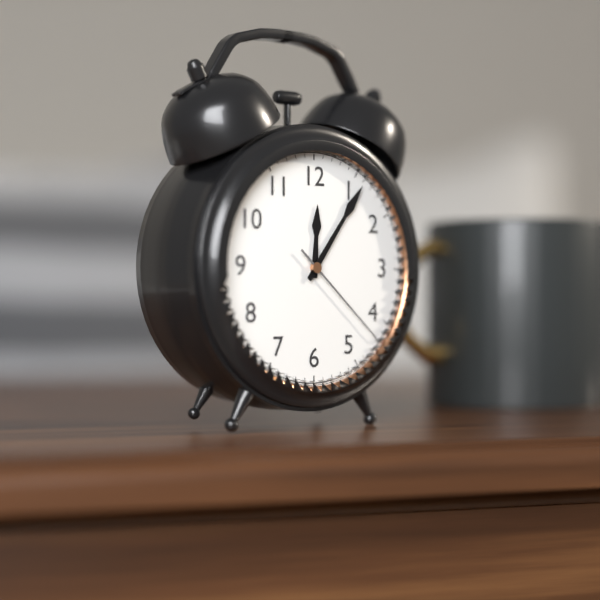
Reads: 12h06m22s
